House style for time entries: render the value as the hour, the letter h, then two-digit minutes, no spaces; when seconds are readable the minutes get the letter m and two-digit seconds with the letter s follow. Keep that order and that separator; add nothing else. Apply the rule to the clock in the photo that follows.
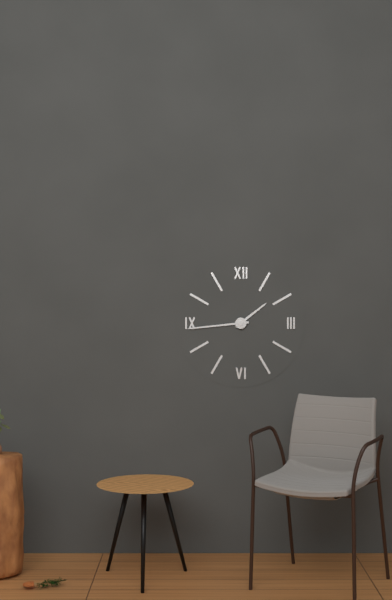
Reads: 1h44
